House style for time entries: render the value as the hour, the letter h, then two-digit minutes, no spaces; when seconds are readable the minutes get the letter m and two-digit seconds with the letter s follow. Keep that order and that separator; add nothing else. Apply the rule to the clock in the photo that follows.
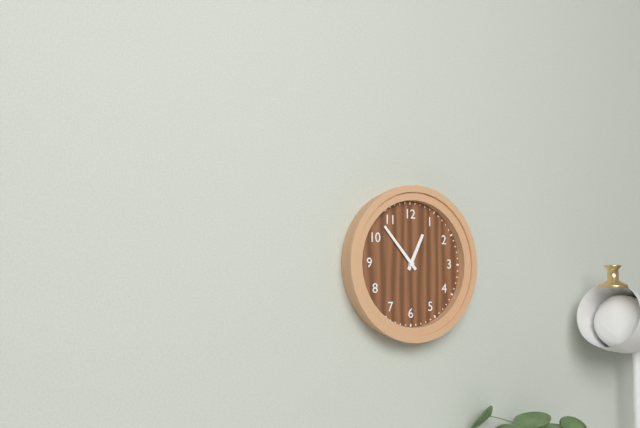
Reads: 12h53
